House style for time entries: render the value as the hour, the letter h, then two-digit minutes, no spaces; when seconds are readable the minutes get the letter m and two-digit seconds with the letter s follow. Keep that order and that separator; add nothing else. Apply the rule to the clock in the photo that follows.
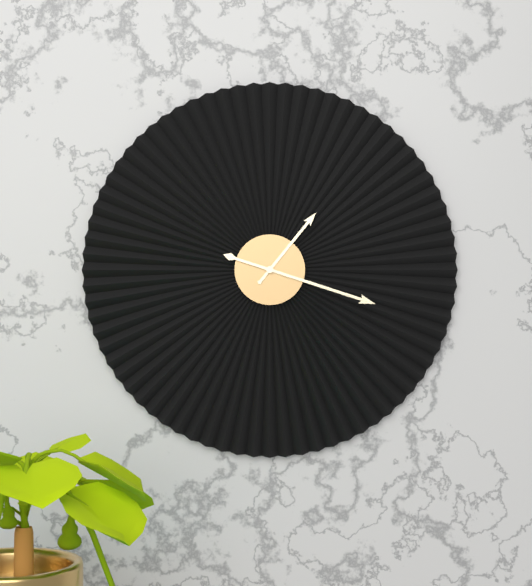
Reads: 1h18
